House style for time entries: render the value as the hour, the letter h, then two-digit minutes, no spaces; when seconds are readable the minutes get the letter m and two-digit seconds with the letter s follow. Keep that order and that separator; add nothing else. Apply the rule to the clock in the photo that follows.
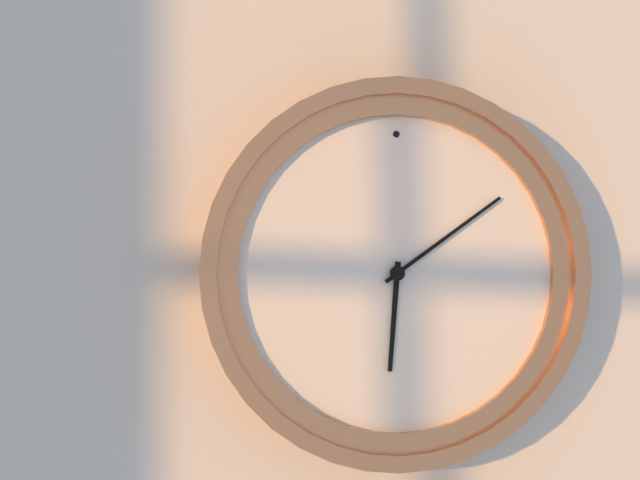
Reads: 6h09
